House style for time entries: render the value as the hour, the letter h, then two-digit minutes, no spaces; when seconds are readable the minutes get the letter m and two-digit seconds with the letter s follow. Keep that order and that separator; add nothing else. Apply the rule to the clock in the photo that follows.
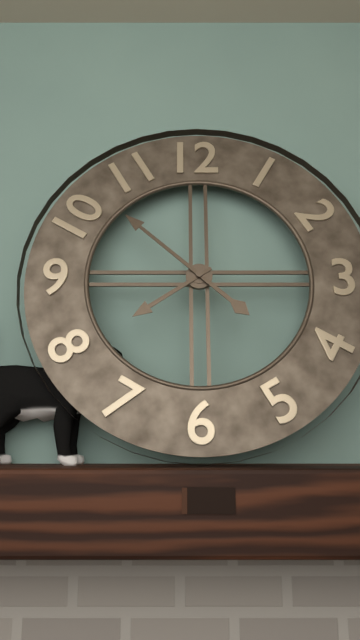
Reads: 7h52
